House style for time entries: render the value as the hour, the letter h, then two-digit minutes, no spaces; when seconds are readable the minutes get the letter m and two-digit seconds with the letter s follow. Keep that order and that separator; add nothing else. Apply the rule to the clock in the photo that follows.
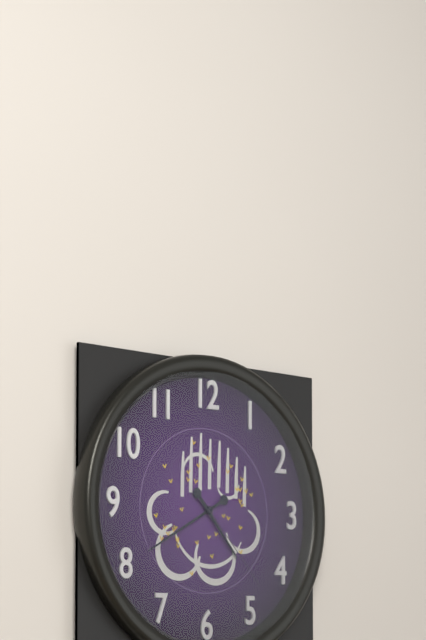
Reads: 4h40m23s
